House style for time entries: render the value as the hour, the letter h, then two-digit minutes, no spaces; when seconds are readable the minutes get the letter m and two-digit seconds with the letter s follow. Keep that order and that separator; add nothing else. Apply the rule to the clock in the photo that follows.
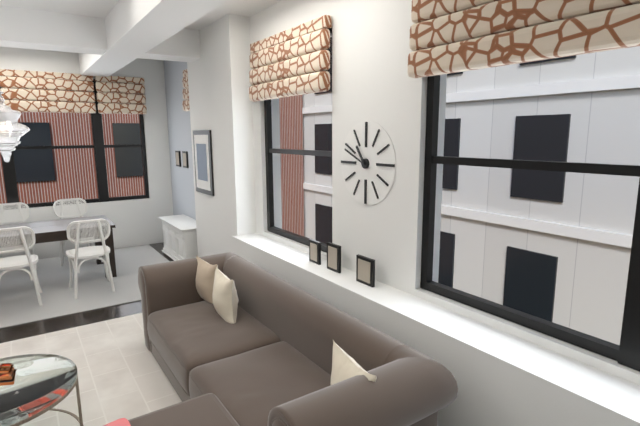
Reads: 10h49
